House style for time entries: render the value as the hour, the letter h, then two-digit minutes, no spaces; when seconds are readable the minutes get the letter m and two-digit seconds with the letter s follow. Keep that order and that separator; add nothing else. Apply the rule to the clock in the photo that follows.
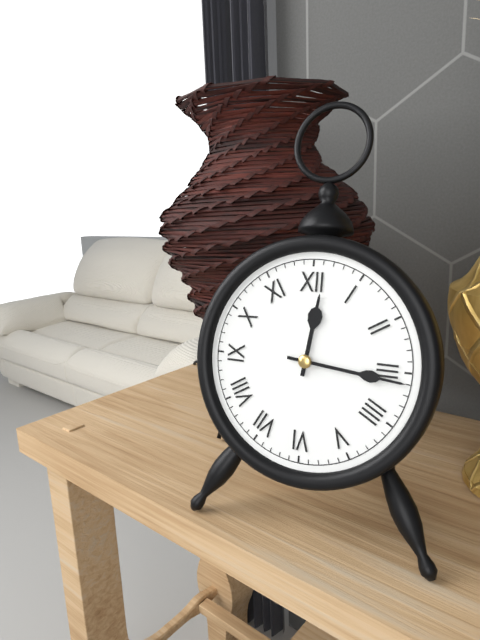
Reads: 12h16
